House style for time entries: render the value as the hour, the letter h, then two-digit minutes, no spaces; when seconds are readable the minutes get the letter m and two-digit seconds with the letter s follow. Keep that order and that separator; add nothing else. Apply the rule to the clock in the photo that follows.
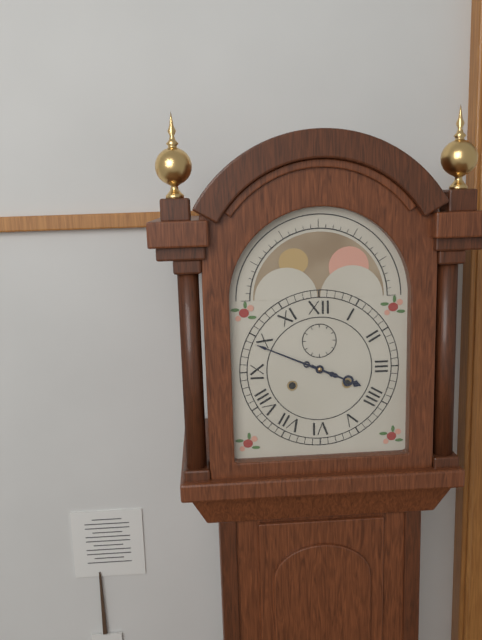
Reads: 3h49
